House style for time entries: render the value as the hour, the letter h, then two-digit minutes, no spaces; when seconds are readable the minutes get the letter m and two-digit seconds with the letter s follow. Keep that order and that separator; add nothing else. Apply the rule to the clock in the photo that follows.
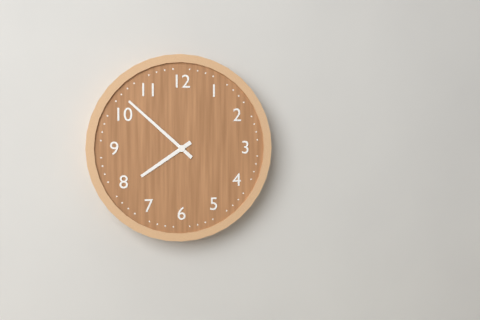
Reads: 7h52
